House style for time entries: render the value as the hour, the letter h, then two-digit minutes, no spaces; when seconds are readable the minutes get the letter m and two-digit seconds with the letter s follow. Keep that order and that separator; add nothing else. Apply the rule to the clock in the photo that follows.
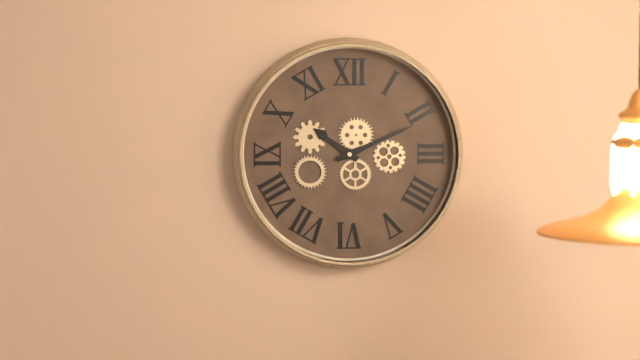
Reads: 10h11
